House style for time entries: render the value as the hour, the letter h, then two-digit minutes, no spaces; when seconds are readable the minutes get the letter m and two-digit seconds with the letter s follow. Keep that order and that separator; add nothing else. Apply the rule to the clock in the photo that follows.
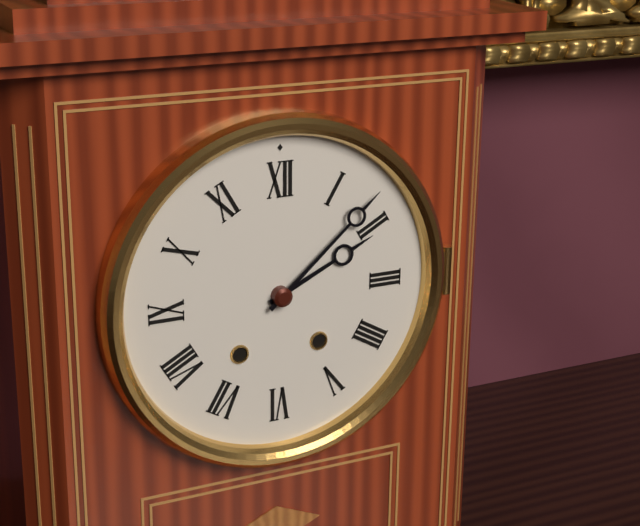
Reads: 2h08
